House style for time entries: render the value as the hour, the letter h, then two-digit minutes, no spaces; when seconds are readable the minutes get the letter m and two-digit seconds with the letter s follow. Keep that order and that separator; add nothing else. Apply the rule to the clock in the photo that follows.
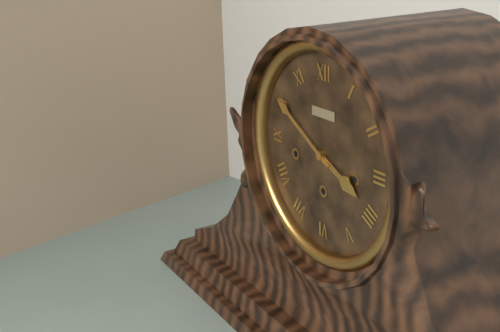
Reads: 3h50
